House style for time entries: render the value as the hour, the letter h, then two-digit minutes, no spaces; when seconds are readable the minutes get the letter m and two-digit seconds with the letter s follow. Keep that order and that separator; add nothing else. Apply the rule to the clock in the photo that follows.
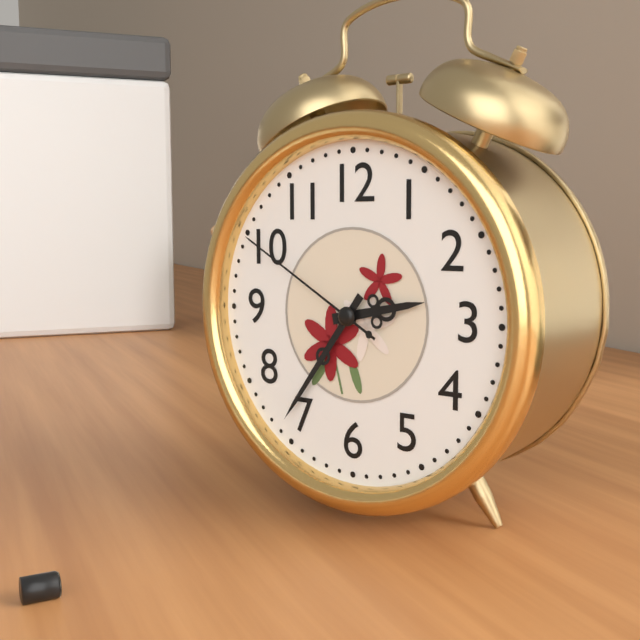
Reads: 2h36m50s
